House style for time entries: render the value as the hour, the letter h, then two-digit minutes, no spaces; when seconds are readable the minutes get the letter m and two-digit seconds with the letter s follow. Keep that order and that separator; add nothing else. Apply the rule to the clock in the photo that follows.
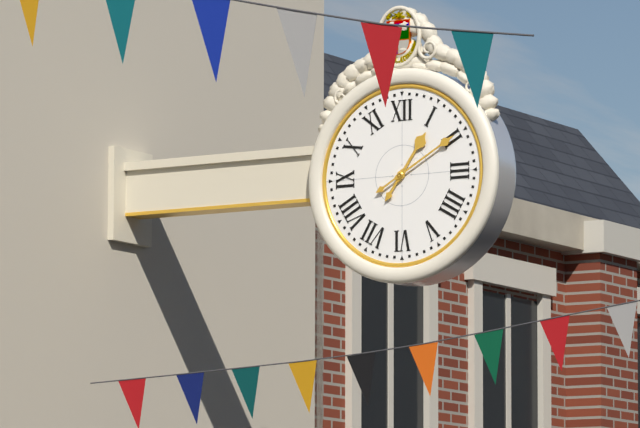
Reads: 1h10
